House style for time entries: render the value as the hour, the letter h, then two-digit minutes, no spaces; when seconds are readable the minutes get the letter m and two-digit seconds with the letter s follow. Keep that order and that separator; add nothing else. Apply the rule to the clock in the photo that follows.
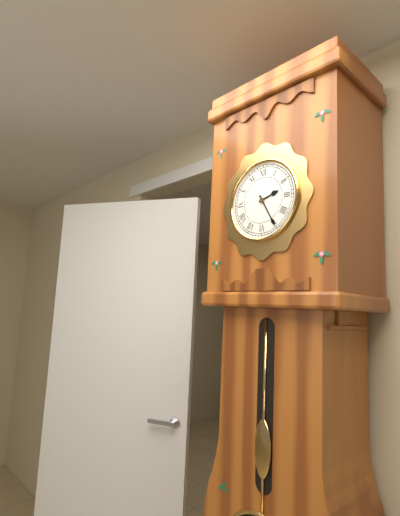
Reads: 2h25
